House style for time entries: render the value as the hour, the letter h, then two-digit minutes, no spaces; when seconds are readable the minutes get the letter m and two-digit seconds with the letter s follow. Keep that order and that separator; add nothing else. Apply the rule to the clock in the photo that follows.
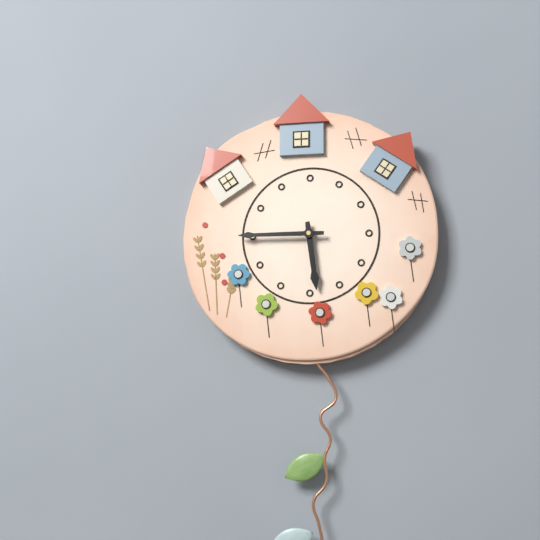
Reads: 5h45
